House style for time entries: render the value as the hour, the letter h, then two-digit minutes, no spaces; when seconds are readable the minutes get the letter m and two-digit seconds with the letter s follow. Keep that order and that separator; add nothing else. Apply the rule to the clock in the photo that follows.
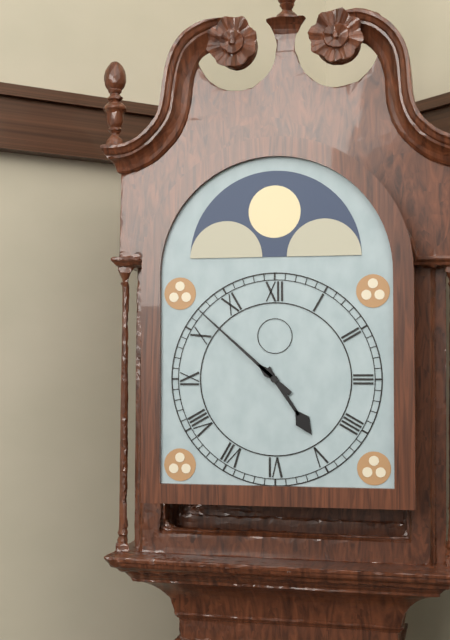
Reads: 4h52
